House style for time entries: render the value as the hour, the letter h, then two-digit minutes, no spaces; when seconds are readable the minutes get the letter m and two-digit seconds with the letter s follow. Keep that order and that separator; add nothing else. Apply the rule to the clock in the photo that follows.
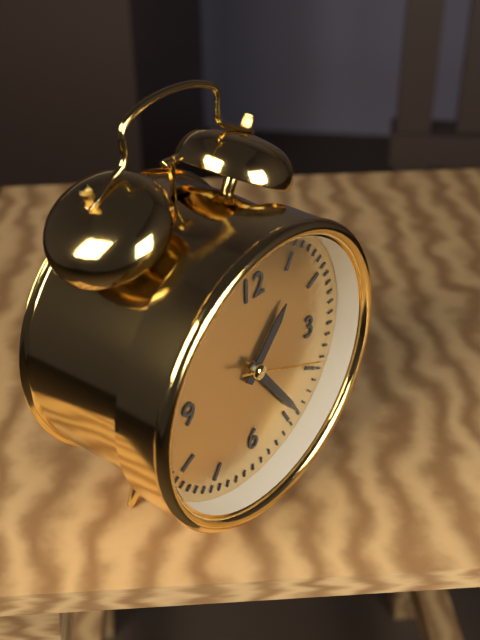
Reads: 1h24m19s
